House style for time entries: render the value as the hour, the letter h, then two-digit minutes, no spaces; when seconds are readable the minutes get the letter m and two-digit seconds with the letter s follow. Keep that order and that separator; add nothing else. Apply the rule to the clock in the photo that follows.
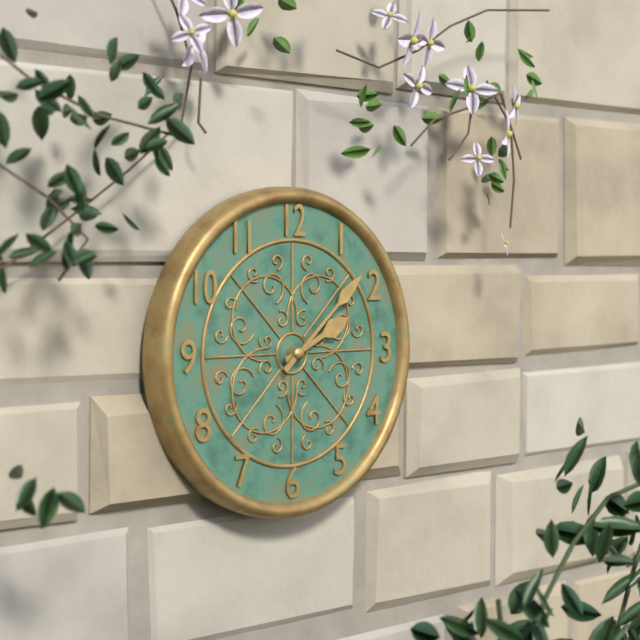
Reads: 2h08
